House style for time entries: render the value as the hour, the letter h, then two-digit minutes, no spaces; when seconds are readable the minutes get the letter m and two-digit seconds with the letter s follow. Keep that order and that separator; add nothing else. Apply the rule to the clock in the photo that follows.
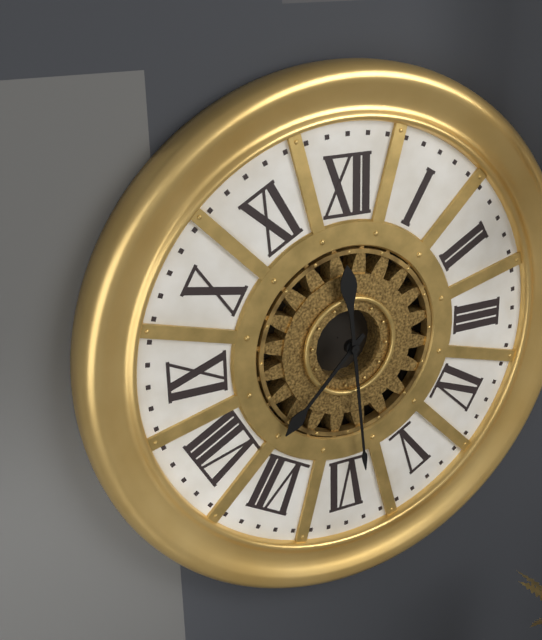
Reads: 7h29
